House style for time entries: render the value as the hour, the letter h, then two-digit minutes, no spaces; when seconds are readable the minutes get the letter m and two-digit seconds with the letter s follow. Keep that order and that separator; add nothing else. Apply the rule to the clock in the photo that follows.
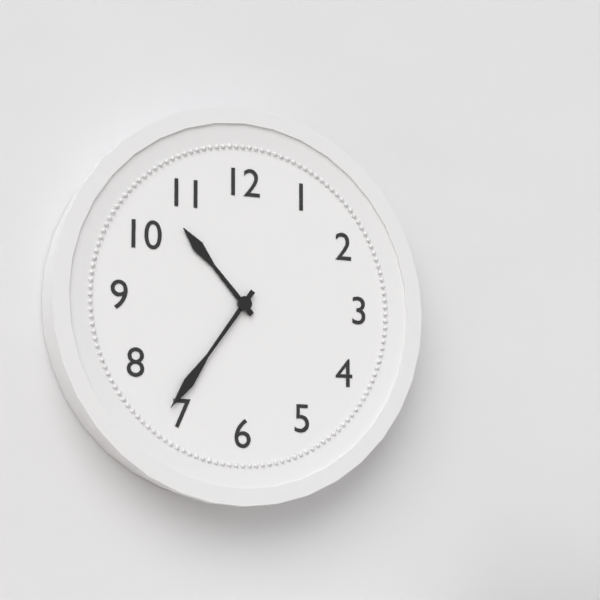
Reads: 10h36
